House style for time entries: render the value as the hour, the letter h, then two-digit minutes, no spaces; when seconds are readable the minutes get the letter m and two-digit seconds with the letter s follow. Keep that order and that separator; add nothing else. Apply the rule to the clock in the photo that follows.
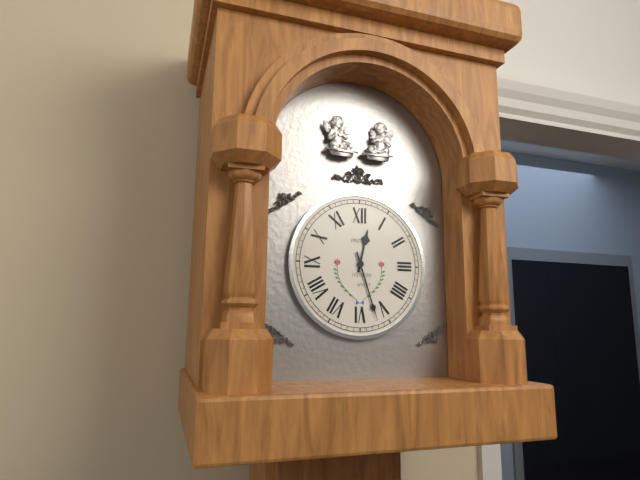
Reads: 12h27
